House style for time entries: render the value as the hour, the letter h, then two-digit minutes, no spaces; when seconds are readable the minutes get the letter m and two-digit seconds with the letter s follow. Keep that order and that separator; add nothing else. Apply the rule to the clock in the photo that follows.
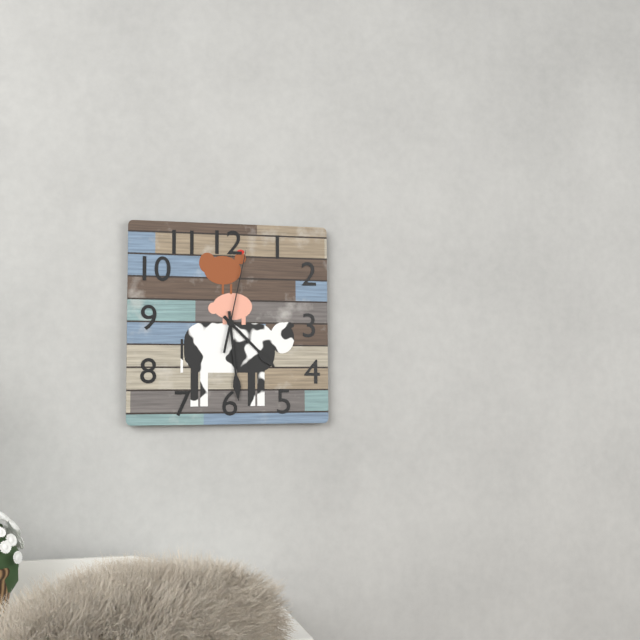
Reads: 4h29m02s
